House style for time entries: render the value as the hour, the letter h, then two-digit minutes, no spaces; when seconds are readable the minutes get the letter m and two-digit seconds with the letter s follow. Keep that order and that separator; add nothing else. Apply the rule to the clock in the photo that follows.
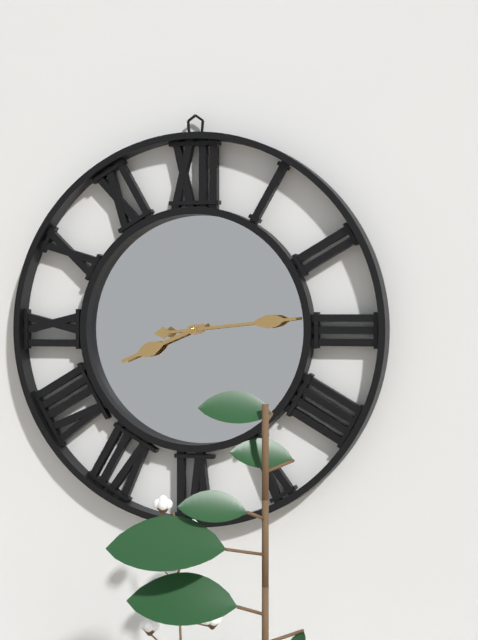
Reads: 8h14
